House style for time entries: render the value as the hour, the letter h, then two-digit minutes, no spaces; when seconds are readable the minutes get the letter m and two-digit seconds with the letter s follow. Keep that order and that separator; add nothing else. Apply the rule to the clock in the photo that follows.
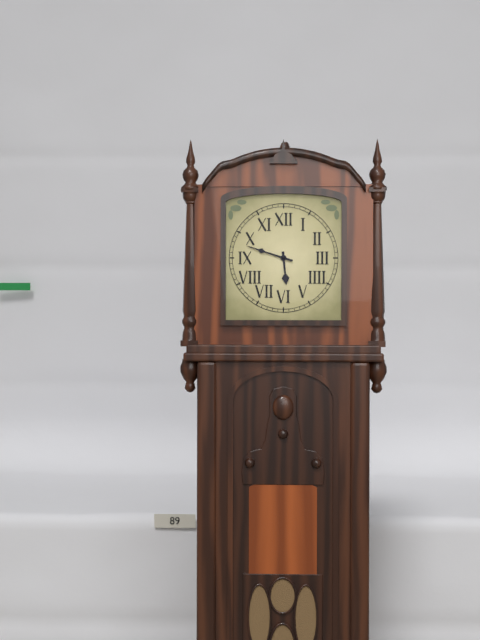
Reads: 5h48
